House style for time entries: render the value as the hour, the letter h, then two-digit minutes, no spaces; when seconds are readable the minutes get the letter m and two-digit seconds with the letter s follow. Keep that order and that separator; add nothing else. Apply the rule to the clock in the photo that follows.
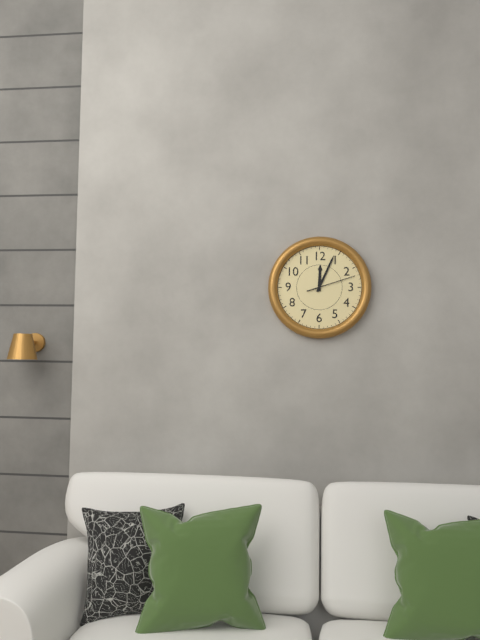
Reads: 12h04
